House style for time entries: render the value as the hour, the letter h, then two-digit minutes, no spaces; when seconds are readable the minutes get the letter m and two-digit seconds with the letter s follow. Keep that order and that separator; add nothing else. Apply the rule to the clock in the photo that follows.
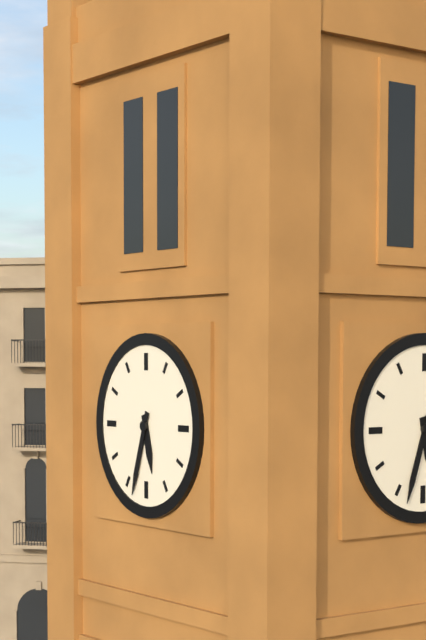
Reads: 5h33
